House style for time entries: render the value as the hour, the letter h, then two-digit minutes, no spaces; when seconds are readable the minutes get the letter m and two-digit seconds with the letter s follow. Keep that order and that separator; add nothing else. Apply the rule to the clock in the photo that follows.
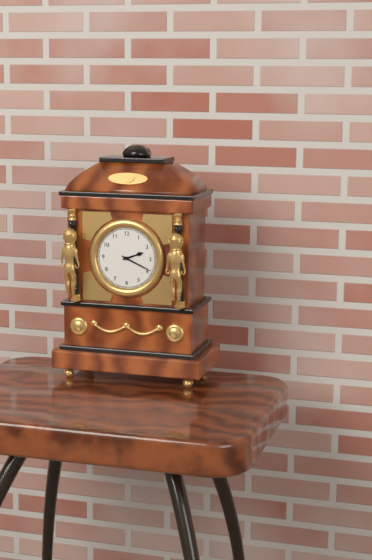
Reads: 2h19
